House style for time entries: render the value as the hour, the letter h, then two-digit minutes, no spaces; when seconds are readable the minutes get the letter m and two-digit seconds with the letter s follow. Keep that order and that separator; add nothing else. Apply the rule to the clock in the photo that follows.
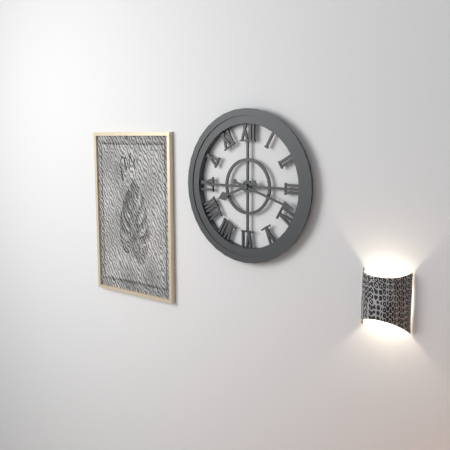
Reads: 8h18
